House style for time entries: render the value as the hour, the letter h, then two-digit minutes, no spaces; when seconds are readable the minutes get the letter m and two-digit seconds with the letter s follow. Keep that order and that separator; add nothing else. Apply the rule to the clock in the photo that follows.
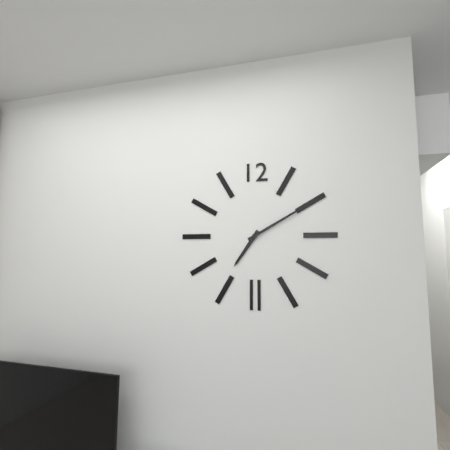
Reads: 7h10
